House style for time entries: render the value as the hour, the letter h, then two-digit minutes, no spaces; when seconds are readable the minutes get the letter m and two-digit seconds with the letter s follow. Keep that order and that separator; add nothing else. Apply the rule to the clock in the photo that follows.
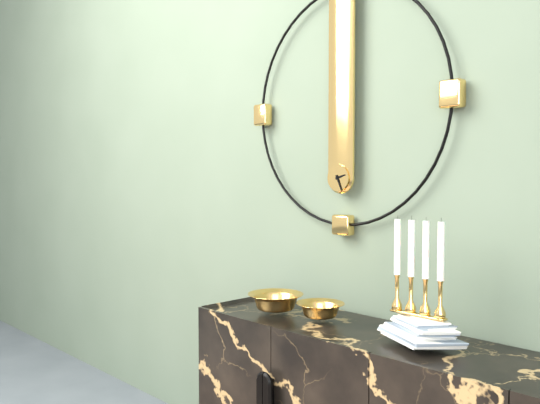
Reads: 2h26
